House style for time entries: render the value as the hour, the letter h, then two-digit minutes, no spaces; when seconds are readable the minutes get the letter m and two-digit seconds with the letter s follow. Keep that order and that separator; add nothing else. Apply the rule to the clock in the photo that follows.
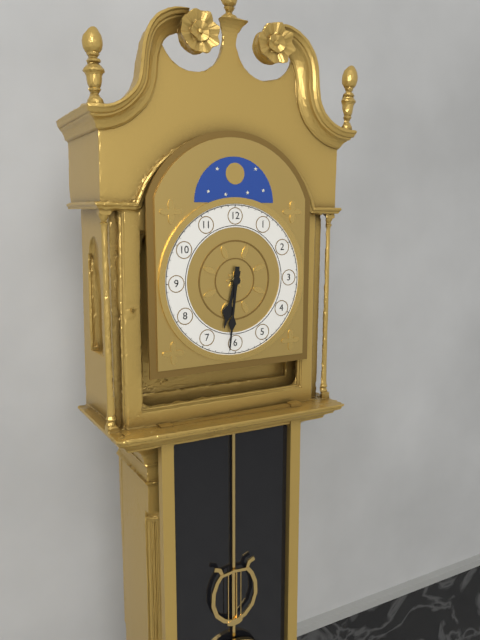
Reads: 6h31
